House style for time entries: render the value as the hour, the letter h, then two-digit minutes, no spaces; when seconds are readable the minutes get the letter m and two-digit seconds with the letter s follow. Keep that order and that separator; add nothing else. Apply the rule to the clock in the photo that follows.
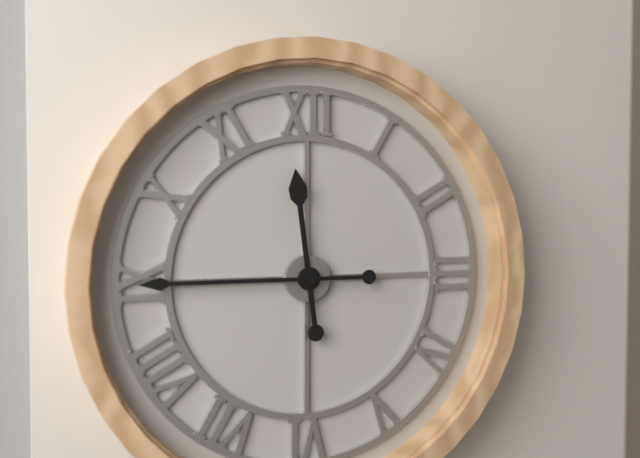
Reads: 11h45
